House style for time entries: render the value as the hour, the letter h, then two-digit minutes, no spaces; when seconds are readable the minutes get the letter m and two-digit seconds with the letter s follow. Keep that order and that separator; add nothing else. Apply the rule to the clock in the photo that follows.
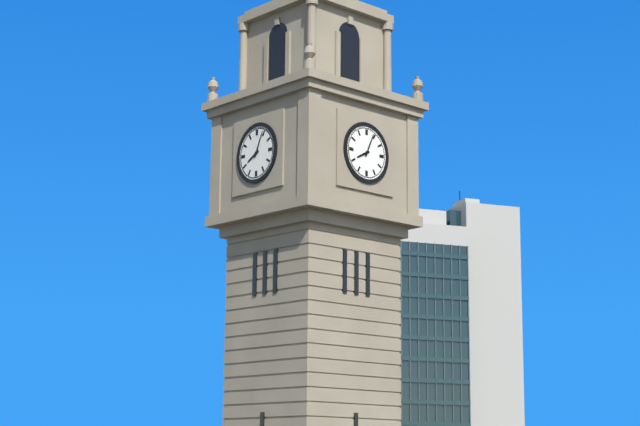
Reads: 8h04
